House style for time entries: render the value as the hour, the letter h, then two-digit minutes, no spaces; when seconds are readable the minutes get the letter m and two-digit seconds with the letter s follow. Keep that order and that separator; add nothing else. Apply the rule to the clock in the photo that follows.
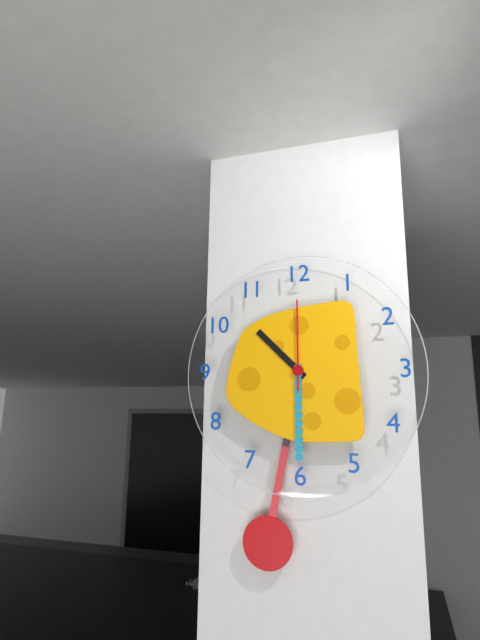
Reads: 10h30m00s
